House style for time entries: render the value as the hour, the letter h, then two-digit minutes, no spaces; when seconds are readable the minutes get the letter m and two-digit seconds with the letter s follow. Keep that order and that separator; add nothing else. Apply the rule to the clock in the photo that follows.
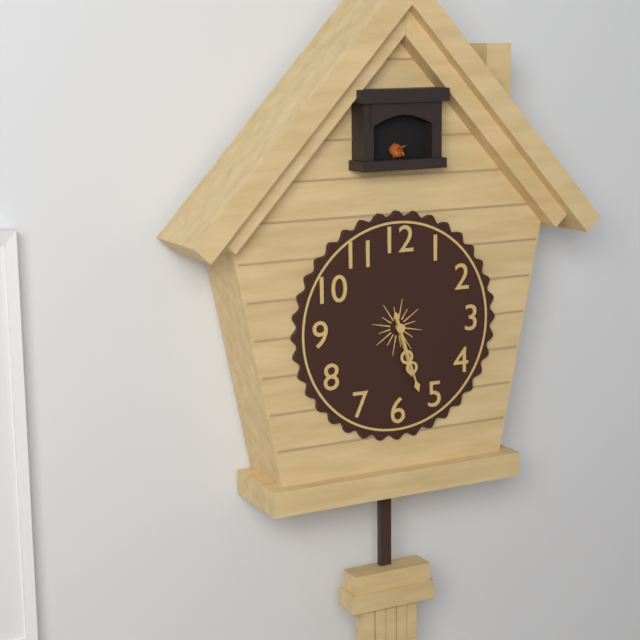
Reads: 5h27
